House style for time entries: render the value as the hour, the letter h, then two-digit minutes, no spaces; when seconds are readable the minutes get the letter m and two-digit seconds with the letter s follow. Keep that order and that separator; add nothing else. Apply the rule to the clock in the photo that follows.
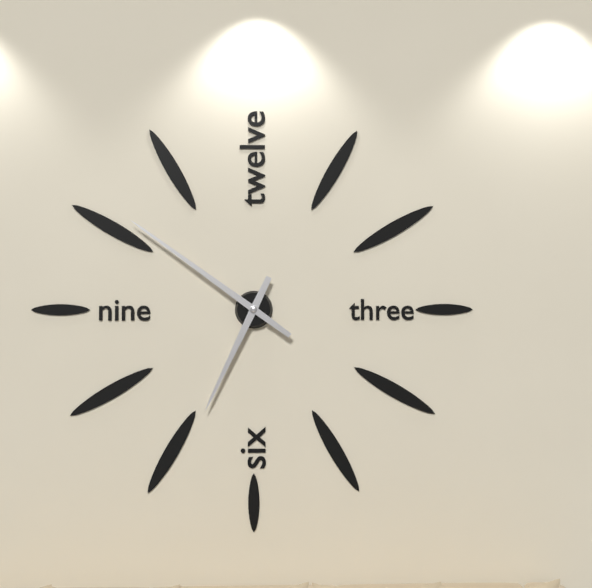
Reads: 6h51
